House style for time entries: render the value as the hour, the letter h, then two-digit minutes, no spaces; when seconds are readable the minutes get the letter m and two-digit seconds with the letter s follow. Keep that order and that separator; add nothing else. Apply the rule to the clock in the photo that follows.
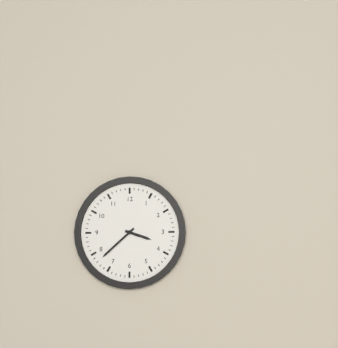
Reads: 3h38
